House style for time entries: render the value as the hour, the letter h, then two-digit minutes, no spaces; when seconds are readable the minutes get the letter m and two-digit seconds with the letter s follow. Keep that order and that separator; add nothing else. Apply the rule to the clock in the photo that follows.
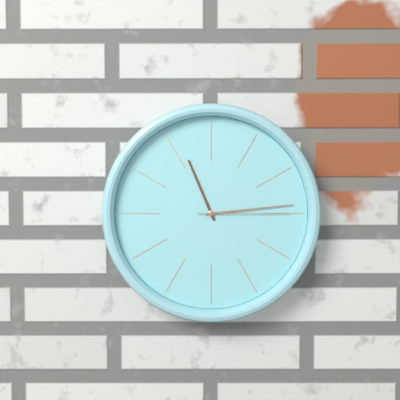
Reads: 11h14m15s
